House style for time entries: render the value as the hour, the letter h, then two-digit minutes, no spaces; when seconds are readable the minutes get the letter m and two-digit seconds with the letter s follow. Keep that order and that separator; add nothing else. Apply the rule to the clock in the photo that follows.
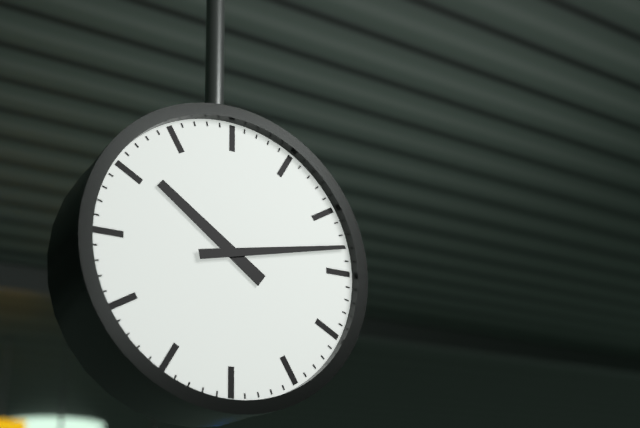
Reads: 10h13
